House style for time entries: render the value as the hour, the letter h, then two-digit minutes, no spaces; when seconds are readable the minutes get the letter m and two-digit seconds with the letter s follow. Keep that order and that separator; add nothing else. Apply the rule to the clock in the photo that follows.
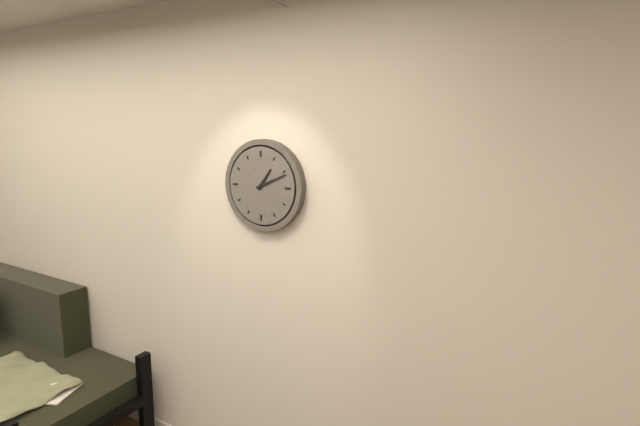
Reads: 1h11
